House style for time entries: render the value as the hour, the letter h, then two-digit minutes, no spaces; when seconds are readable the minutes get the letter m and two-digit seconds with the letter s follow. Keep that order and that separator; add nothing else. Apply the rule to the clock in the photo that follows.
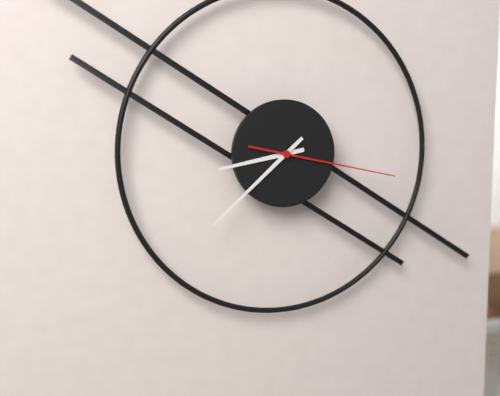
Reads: 8h38m17s
